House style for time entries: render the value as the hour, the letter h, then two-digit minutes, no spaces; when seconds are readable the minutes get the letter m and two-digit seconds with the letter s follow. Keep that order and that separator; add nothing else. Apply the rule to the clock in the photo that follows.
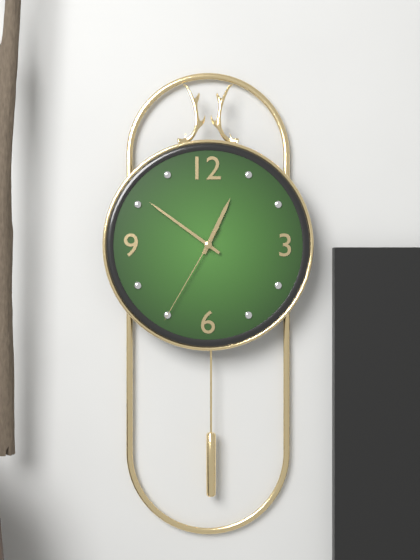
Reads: 12h51m35s
